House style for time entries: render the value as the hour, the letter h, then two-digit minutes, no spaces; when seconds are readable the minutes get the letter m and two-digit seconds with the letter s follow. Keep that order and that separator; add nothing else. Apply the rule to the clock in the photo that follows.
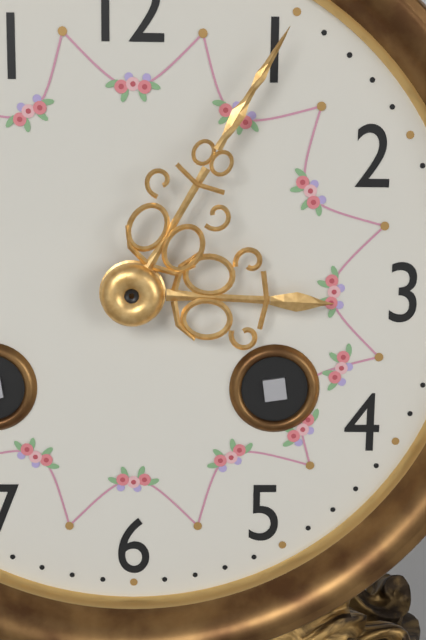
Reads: 3h05
